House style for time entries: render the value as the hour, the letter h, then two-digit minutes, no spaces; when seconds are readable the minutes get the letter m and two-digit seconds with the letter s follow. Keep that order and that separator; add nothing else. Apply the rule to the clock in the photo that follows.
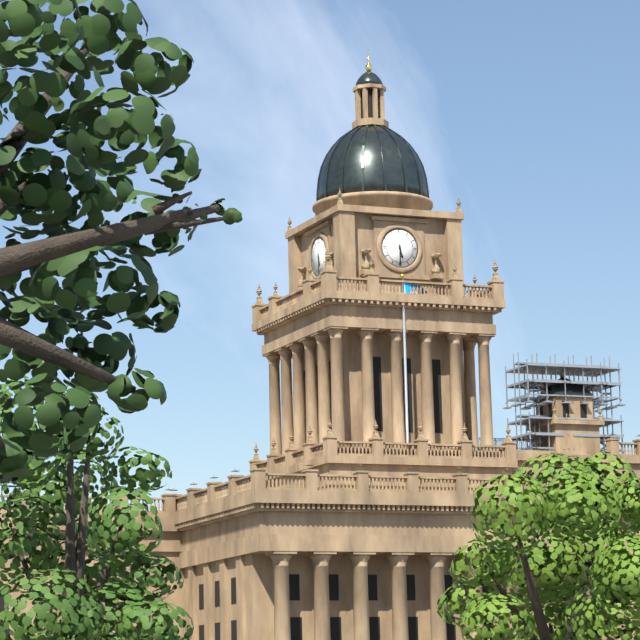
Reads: 5h30
